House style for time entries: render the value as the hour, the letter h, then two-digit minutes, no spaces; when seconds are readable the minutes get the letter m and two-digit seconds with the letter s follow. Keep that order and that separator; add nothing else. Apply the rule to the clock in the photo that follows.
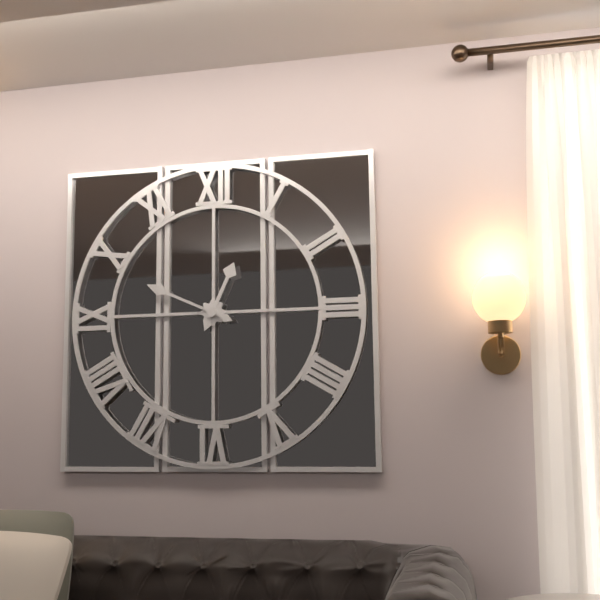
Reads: 12h49
